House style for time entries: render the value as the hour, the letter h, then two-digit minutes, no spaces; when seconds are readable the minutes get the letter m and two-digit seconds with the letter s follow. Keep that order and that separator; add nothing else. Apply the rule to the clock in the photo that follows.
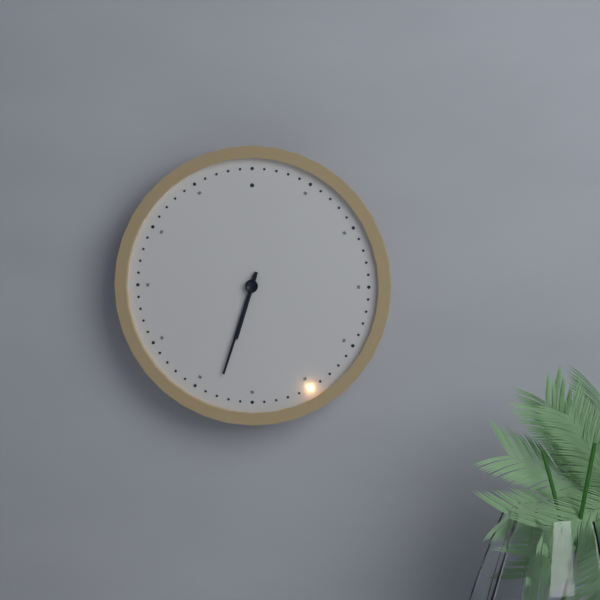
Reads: 6h33
